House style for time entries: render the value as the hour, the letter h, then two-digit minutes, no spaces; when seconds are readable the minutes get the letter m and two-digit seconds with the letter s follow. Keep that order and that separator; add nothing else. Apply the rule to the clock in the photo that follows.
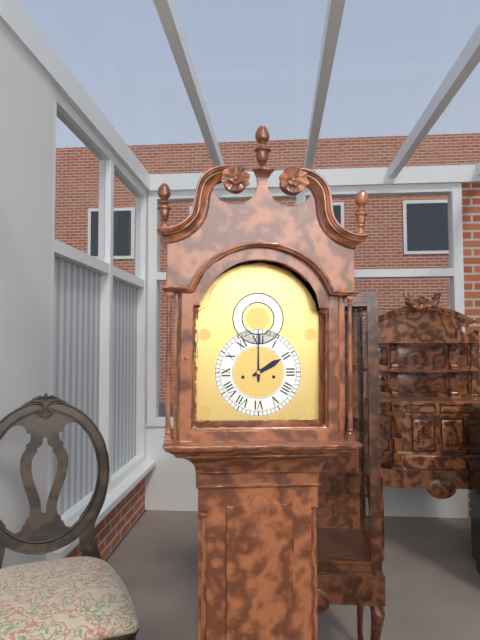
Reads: 2h00
